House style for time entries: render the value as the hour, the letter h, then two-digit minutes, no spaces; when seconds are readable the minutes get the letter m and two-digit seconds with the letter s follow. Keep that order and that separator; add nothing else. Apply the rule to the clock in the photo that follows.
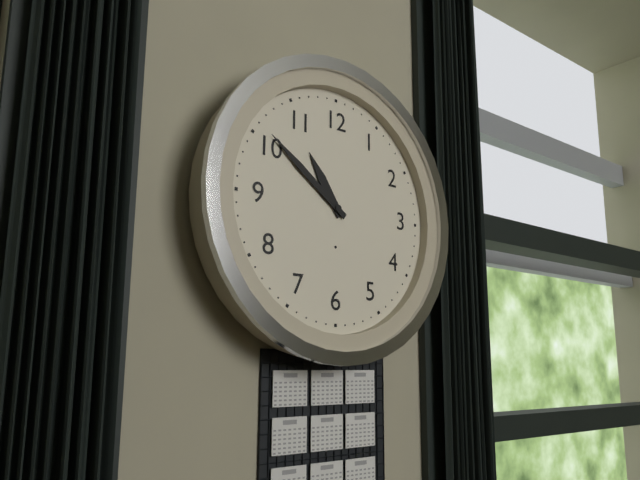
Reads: 10h51
